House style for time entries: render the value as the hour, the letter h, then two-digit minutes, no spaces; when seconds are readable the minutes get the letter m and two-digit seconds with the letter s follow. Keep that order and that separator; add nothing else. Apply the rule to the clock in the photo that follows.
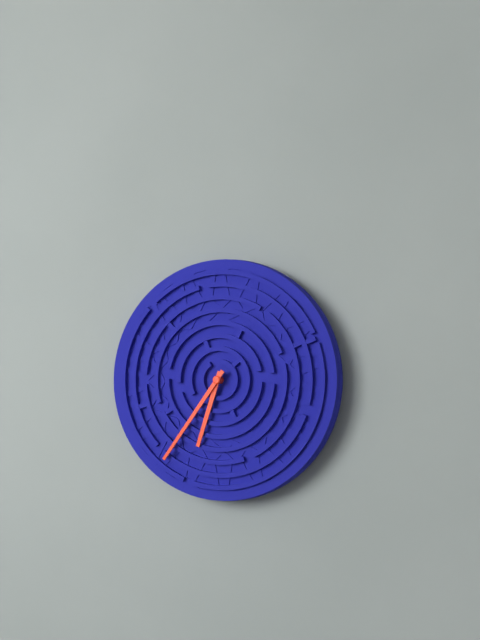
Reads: 6h36
